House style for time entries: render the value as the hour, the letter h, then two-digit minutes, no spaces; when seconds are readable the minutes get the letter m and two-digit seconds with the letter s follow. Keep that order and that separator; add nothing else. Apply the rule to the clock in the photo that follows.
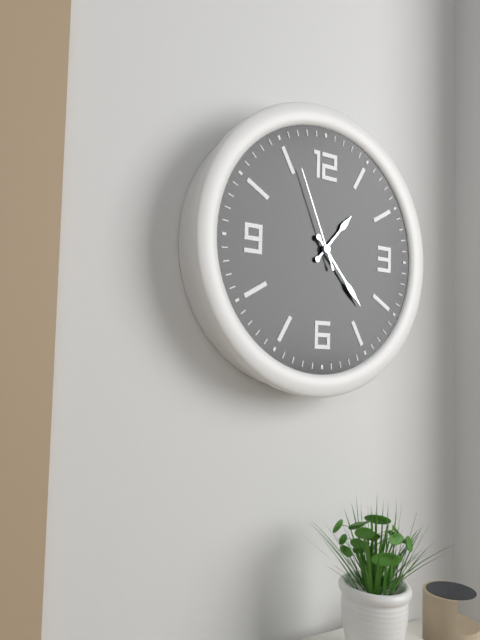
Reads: 1h23m56s
